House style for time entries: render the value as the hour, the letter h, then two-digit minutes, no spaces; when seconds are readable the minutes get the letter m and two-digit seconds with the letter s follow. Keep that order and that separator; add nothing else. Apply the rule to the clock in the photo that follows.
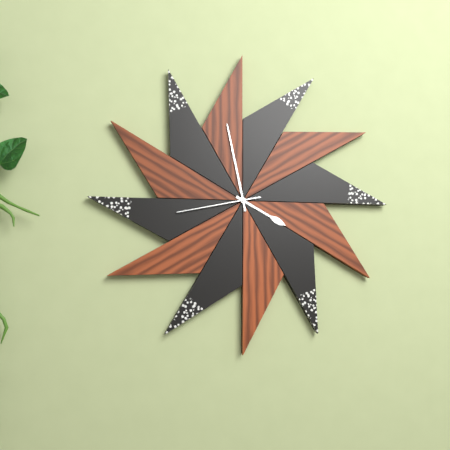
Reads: 3h58m43s
